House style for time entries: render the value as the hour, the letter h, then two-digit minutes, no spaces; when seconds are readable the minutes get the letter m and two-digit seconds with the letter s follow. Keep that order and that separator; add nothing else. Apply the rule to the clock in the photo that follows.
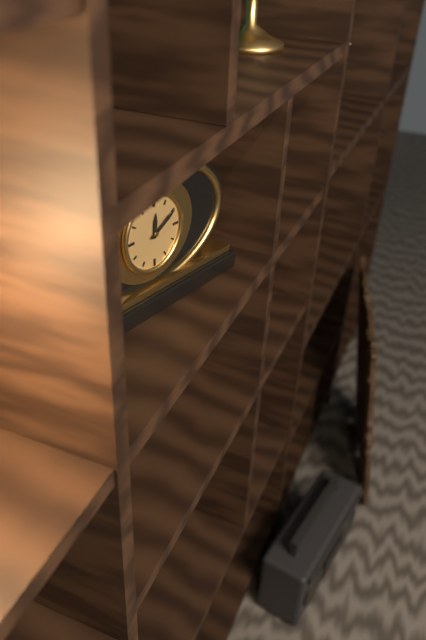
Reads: 12h10
